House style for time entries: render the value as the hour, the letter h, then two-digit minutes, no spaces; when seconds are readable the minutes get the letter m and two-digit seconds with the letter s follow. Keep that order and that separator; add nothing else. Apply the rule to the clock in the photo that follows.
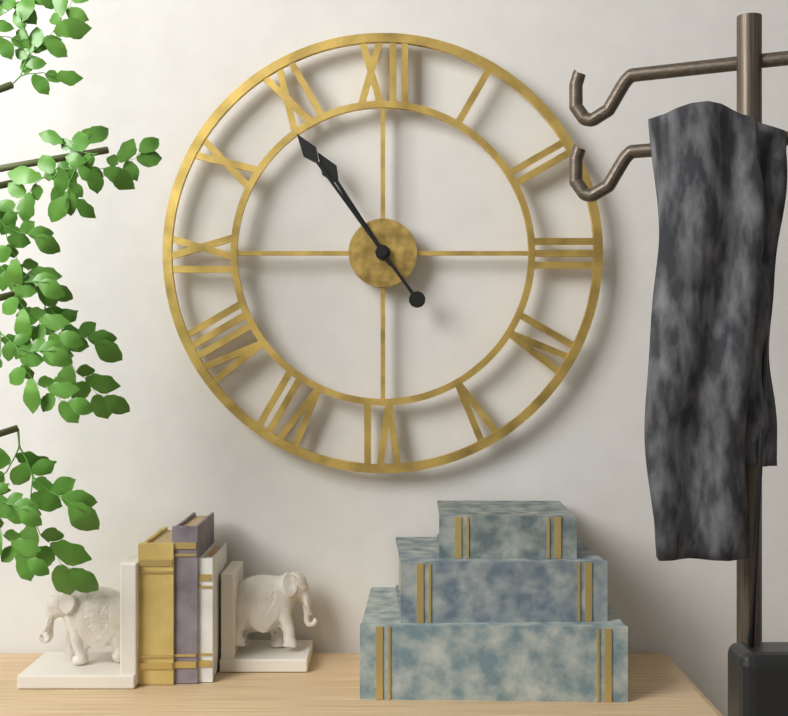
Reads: 10h54
